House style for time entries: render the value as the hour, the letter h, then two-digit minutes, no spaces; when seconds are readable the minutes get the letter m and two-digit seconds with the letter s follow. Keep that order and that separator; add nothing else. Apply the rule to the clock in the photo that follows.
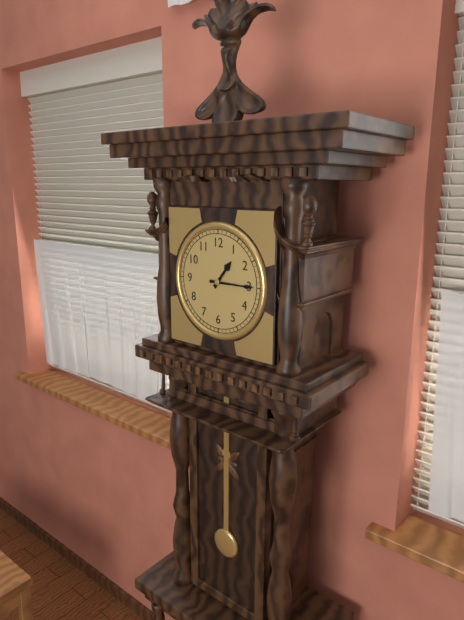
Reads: 1h15
